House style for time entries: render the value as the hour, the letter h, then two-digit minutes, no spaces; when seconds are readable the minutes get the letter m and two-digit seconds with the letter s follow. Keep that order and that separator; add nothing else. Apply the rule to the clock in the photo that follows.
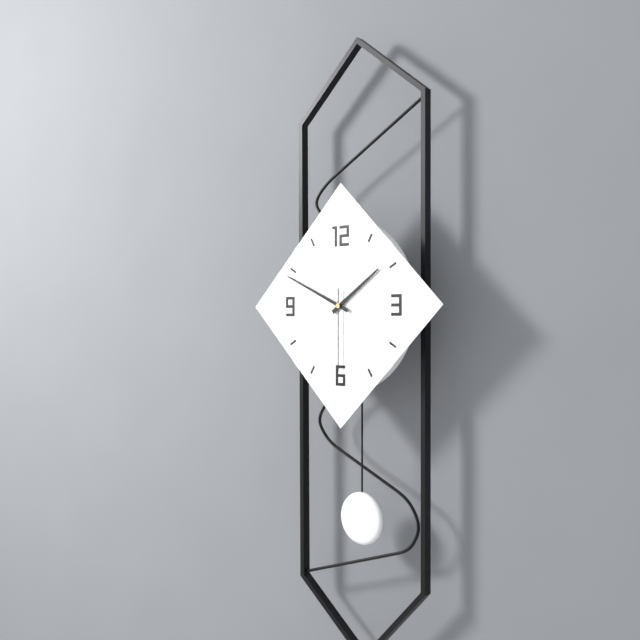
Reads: 1h49m30s
